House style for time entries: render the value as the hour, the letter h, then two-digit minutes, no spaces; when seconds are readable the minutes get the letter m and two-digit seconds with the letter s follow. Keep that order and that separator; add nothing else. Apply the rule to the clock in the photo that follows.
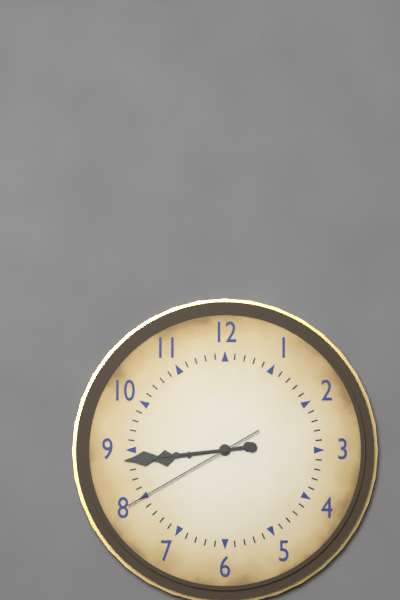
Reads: 8h44m40s
